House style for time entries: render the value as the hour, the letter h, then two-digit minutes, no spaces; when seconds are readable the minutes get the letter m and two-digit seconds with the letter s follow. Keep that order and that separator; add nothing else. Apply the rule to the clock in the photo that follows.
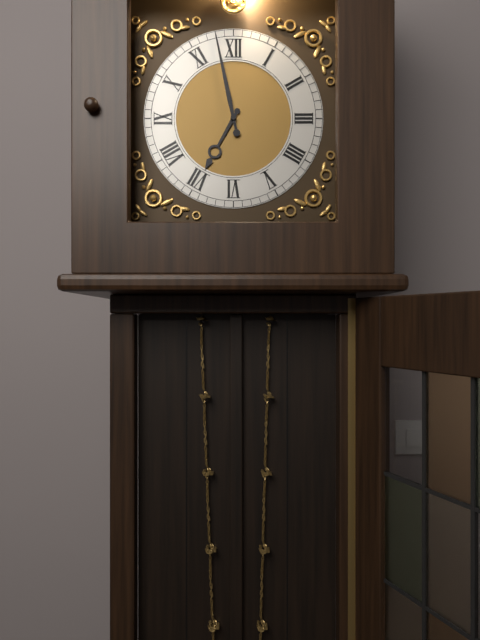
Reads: 6h58
